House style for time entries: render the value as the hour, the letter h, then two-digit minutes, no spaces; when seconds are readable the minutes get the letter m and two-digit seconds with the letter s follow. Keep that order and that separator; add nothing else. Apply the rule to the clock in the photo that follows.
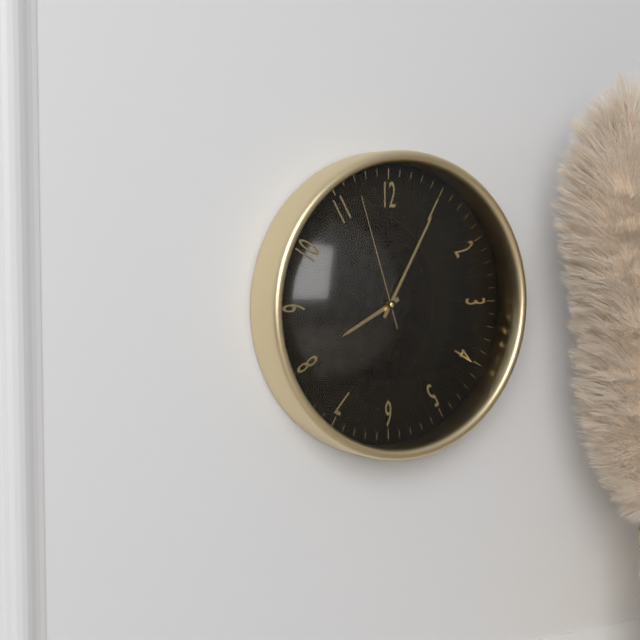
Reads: 8h05m57s
